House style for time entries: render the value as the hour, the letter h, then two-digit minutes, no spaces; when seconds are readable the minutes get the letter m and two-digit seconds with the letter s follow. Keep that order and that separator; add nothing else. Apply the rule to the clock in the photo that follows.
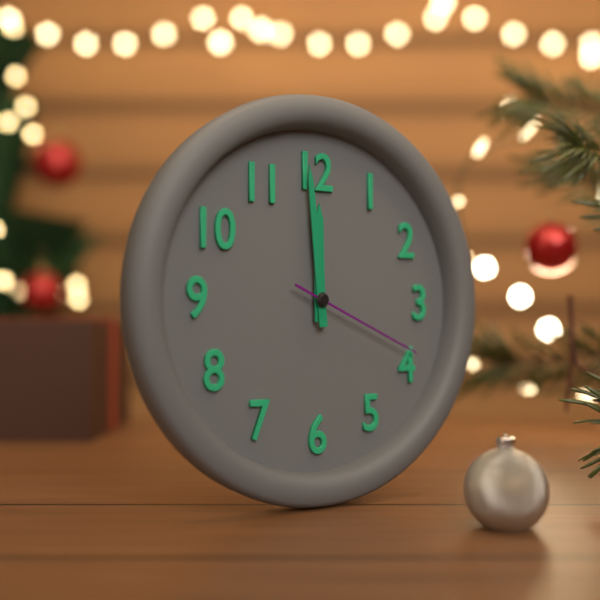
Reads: 11h59m19s
